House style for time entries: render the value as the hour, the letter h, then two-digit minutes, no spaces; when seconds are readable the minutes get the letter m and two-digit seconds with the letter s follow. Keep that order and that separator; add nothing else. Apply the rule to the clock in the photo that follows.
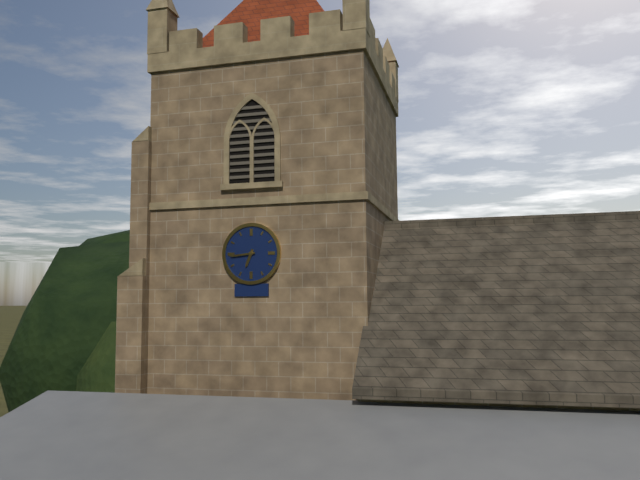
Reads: 6h44
